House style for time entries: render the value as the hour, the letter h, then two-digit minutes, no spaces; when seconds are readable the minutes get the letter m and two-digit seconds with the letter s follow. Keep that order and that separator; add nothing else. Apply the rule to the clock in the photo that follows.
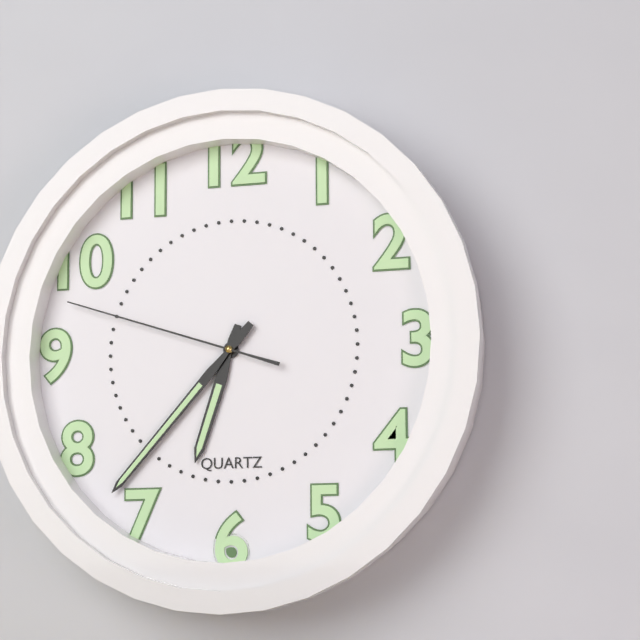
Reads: 6h37m48s
